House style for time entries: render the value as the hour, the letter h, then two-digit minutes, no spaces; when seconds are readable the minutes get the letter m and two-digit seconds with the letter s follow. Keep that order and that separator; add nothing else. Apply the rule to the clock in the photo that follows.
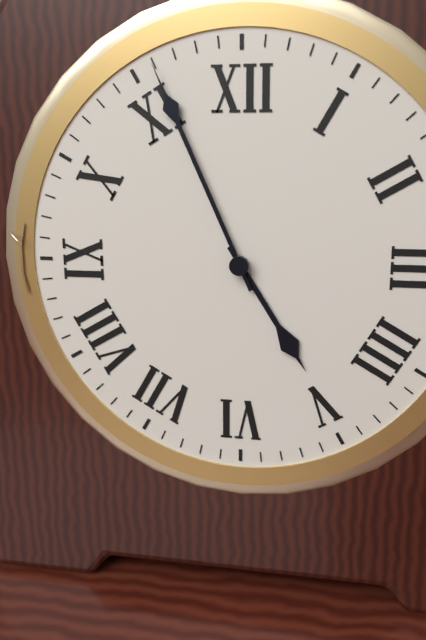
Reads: 4h56
